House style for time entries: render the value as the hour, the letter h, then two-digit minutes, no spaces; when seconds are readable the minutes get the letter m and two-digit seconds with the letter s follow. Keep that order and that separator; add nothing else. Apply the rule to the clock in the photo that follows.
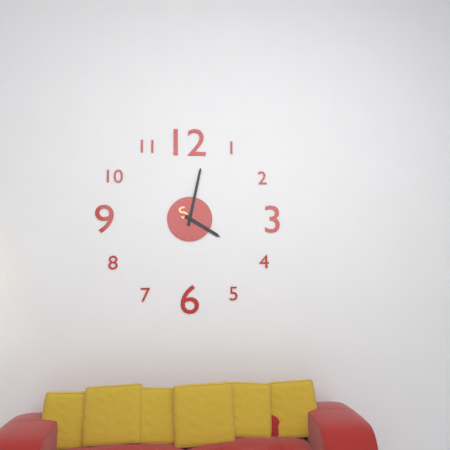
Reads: 4h02
